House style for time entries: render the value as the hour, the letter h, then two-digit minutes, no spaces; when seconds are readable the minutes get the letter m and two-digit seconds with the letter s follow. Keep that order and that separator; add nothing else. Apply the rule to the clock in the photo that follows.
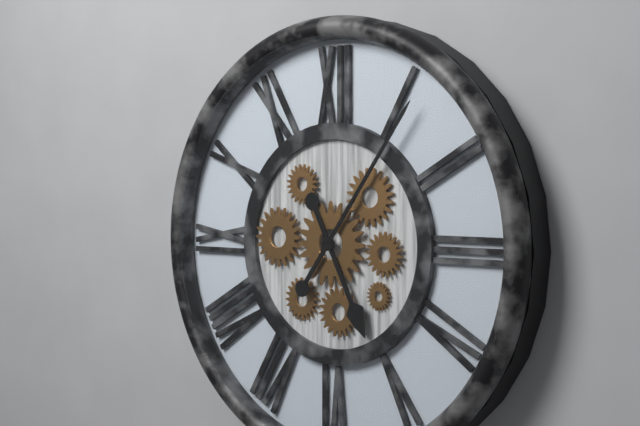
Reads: 5h06
